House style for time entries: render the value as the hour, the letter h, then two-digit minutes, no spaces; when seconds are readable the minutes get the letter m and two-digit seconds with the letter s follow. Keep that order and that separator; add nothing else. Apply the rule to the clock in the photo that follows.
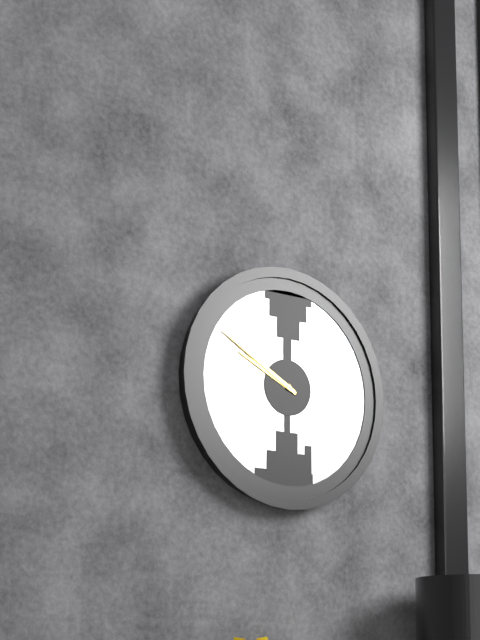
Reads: 9h50
